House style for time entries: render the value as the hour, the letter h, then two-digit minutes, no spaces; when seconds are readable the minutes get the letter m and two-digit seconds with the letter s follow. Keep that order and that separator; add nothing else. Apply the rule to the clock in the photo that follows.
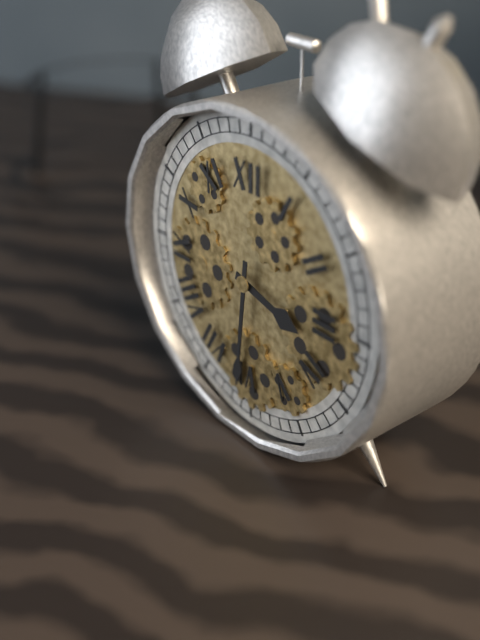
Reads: 3h31
